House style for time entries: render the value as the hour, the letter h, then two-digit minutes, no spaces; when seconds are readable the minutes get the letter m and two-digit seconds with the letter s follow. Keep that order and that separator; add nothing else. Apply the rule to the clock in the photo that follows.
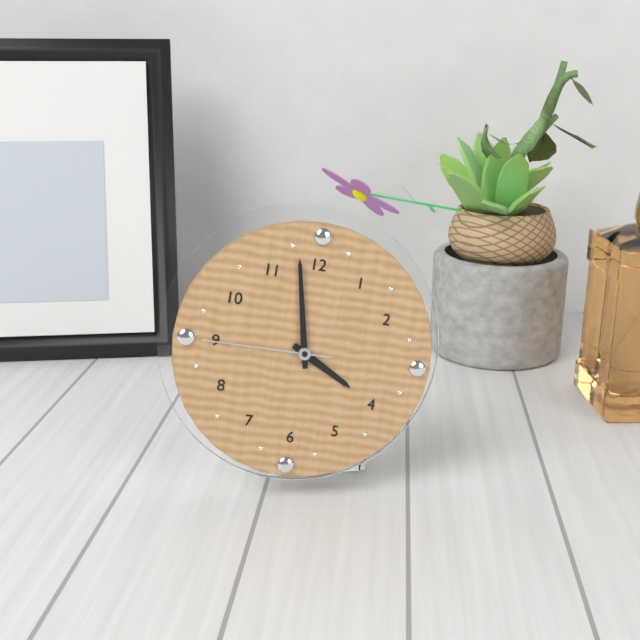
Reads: 3h58m45s
